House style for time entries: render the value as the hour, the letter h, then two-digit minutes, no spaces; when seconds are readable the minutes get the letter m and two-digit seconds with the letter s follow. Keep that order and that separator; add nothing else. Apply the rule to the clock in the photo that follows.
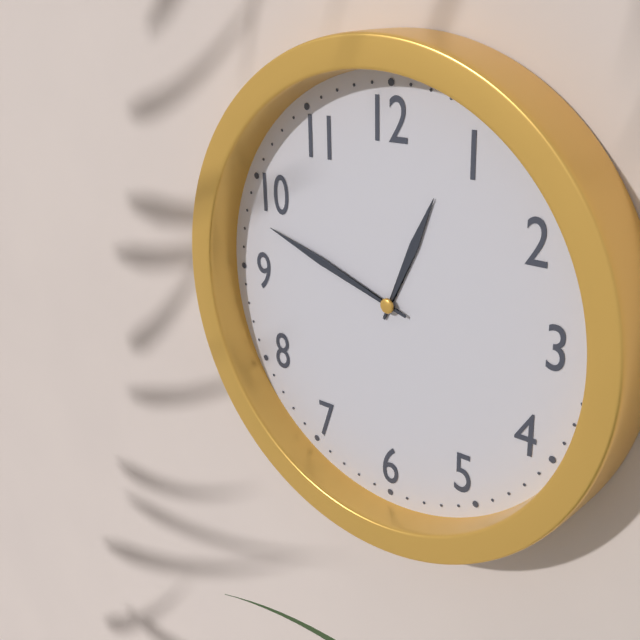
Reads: 12h48
